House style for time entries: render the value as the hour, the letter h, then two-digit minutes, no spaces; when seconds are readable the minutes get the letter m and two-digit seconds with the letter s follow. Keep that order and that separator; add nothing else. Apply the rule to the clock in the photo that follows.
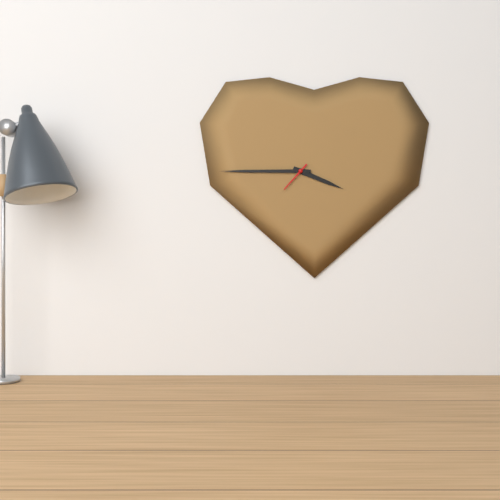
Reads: 3h45
